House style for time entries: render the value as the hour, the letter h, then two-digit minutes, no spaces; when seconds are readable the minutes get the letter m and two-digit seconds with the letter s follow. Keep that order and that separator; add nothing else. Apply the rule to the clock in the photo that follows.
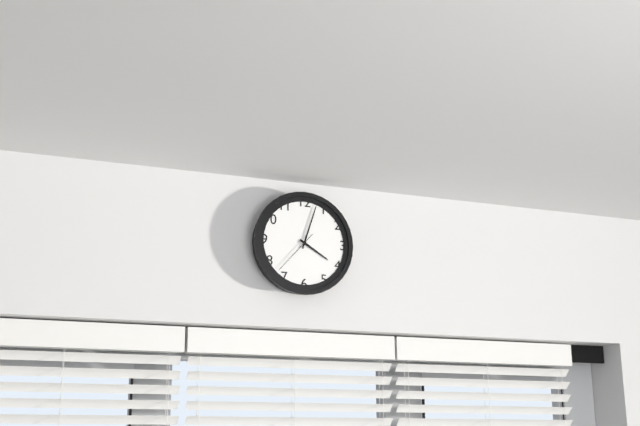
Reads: 4h03
